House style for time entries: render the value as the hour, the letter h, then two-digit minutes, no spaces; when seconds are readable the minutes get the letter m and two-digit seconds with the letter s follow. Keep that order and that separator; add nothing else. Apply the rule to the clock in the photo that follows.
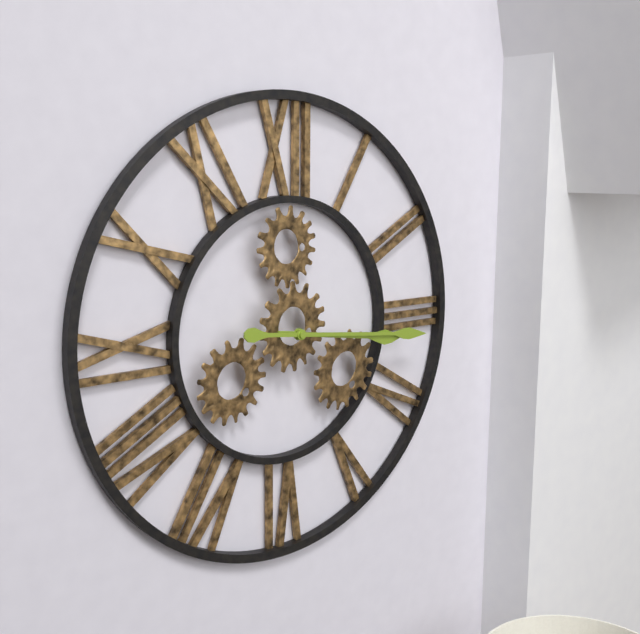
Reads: 3h16
